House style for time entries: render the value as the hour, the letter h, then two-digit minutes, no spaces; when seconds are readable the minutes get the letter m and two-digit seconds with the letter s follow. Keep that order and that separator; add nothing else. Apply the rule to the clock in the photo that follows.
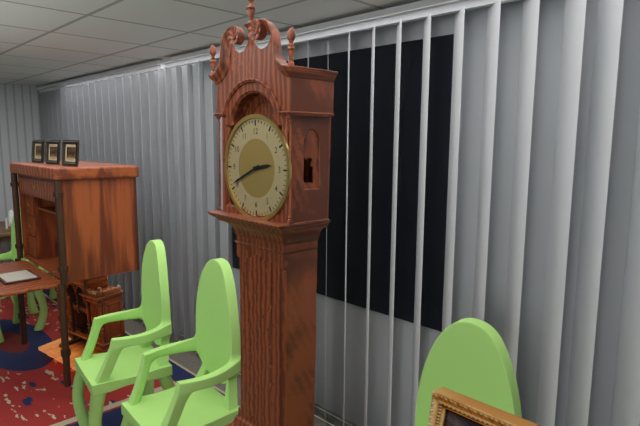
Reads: 2h41
